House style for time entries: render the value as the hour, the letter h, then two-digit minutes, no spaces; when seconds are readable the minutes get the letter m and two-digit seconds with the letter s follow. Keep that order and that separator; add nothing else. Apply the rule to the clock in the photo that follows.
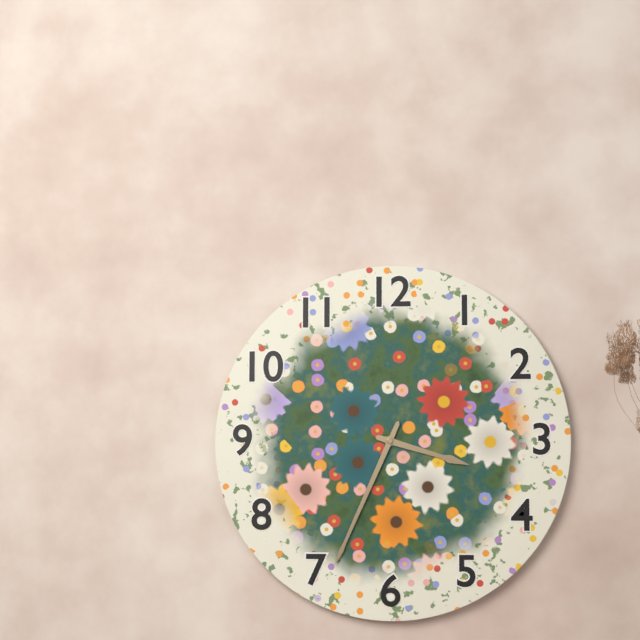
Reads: 3h34
